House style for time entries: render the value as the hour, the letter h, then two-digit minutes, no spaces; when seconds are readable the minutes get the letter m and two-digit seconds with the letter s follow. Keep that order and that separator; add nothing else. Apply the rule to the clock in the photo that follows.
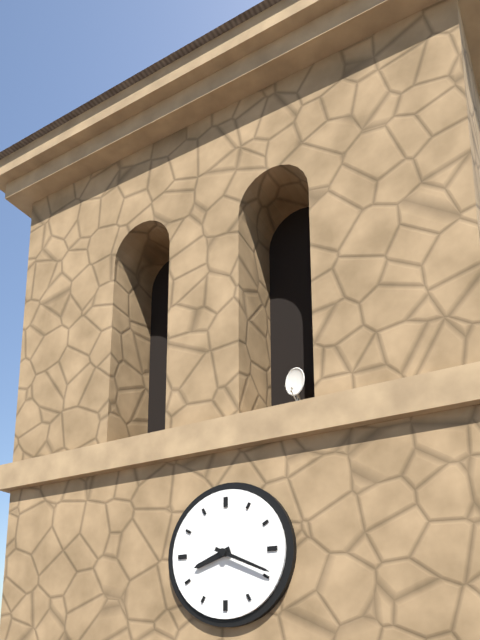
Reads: 8h19
